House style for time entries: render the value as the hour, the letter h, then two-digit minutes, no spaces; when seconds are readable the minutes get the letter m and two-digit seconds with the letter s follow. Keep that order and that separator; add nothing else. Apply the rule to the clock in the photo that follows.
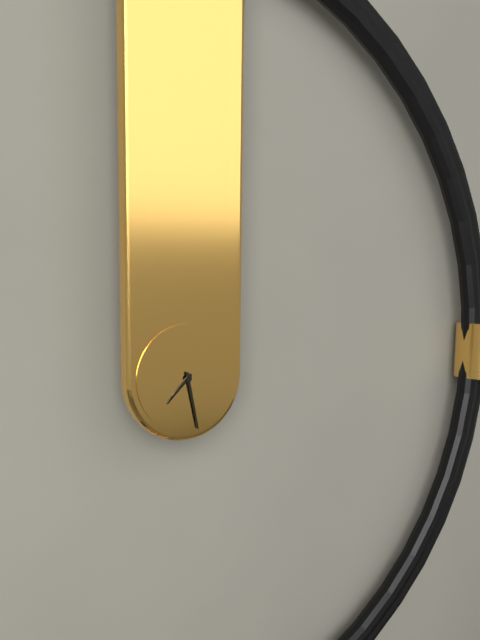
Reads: 7h28
